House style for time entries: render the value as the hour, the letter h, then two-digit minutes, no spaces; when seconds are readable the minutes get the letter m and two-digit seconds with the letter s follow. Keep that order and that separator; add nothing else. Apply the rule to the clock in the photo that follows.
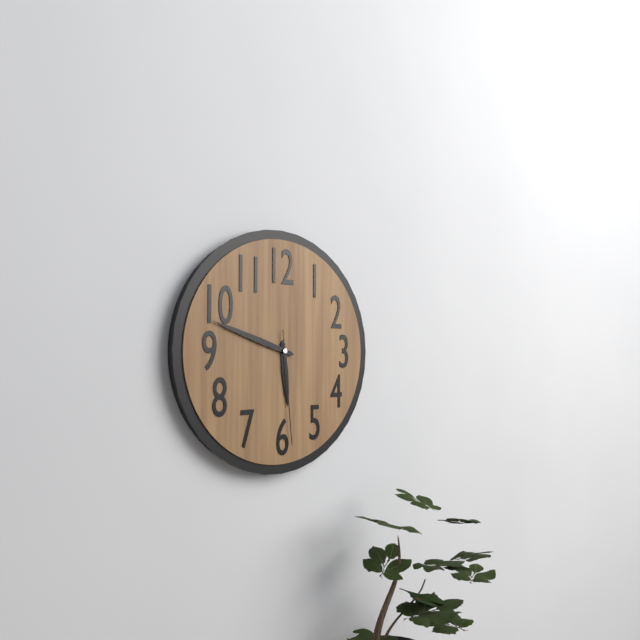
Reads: 5h48m29s
